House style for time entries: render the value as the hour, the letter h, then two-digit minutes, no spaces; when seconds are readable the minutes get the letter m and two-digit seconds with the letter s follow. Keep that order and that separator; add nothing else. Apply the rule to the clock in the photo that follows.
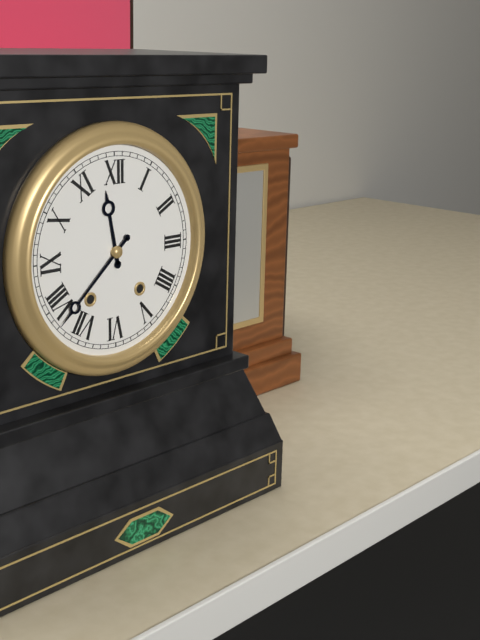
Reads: 11h38
